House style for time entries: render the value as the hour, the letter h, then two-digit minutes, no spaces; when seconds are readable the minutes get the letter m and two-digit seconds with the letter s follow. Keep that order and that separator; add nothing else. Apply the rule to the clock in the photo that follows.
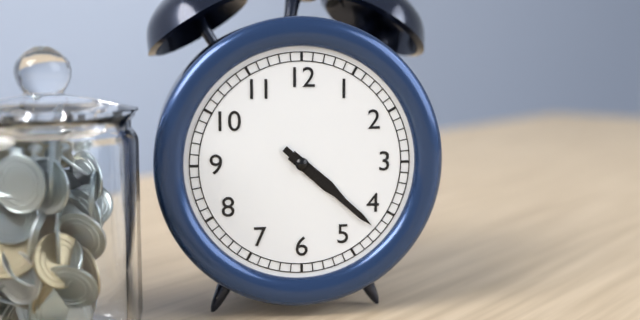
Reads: 4h22
